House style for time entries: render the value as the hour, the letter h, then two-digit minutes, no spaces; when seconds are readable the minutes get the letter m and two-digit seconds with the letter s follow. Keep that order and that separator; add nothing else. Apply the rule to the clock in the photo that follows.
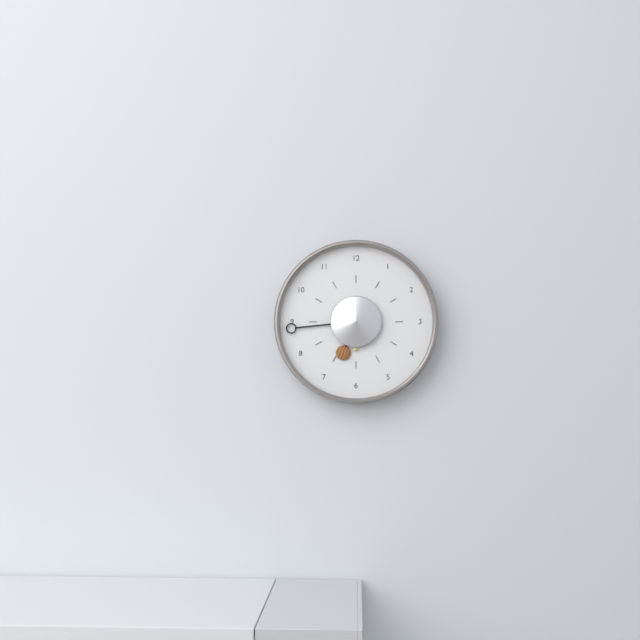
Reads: 6h44
